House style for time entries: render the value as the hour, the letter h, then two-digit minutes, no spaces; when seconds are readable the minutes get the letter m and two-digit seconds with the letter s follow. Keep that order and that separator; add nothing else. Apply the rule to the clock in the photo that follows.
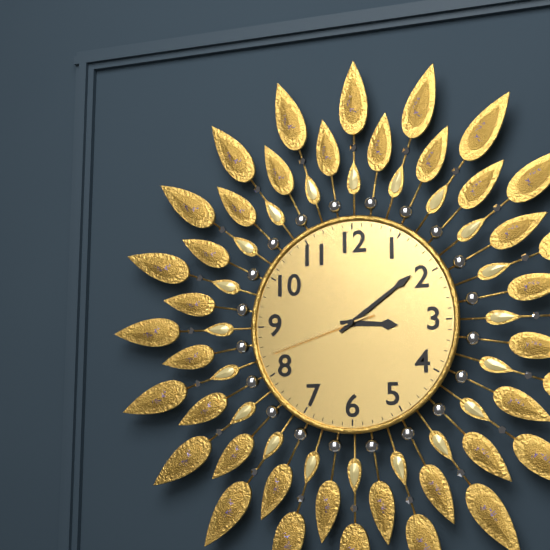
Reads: 3h09m42s
